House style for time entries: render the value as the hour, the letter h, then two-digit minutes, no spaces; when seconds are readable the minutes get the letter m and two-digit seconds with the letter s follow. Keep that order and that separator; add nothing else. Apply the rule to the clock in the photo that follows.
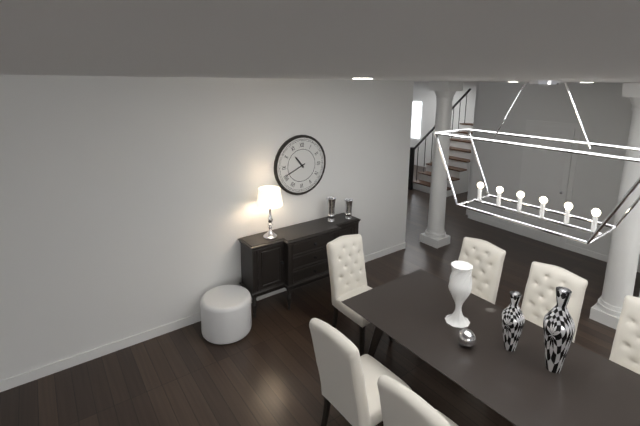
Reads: 10h41
